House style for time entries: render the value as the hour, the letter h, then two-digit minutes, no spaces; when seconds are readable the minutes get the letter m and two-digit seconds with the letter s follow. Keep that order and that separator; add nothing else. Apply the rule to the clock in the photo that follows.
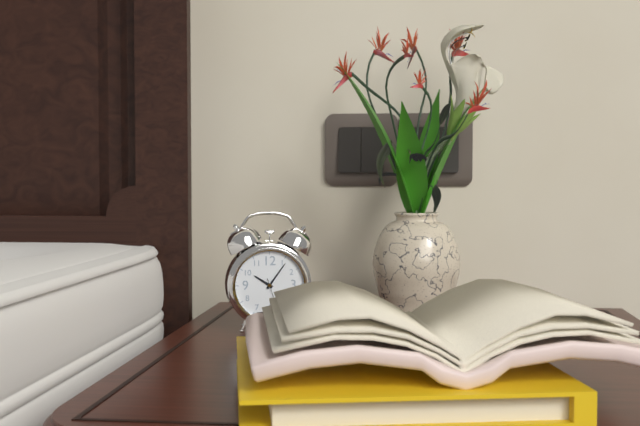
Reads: 10h06
